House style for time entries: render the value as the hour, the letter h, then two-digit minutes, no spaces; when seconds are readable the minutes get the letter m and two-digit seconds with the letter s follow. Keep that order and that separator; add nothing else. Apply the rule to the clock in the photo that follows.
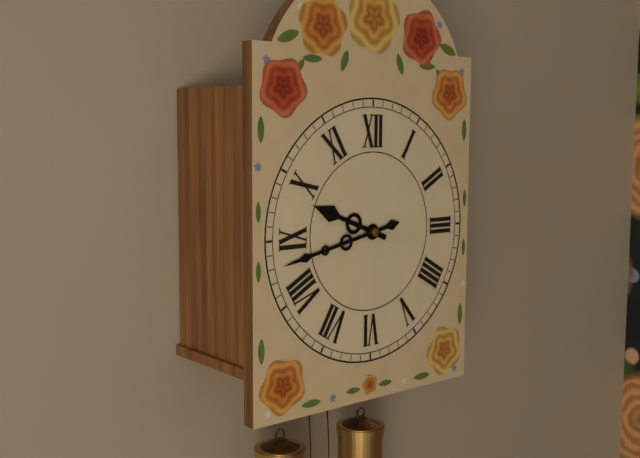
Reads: 9h43
